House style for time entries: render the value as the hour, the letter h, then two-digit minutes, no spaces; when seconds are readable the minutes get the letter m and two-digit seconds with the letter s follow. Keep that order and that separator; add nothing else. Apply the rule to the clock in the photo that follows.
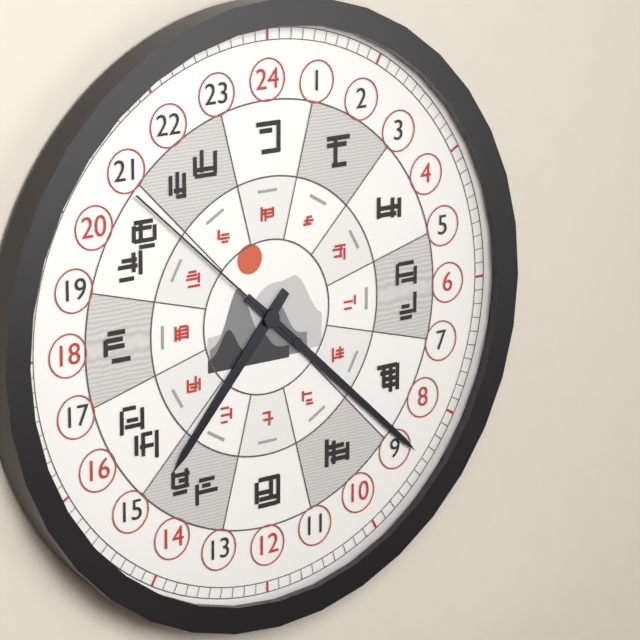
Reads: 7h22m52s
